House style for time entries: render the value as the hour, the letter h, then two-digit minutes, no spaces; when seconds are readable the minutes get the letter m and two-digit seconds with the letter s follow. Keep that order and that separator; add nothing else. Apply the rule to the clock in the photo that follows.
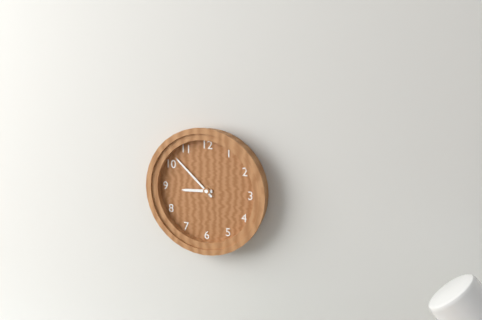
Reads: 8h52
